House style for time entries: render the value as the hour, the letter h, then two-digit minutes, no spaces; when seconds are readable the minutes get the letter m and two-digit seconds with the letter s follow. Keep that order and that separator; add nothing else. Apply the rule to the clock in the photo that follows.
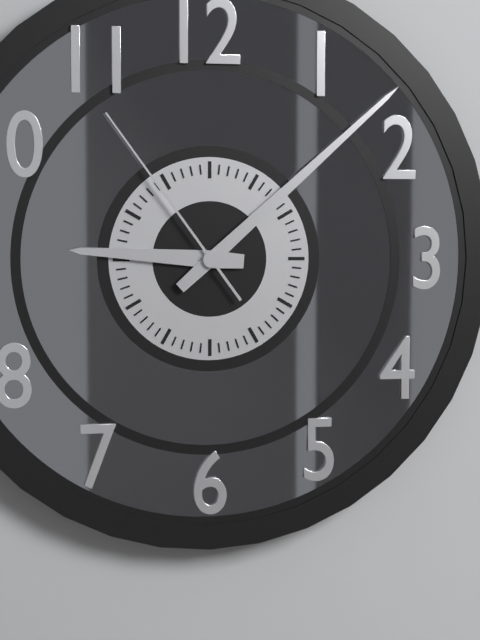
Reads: 9h08m54s
